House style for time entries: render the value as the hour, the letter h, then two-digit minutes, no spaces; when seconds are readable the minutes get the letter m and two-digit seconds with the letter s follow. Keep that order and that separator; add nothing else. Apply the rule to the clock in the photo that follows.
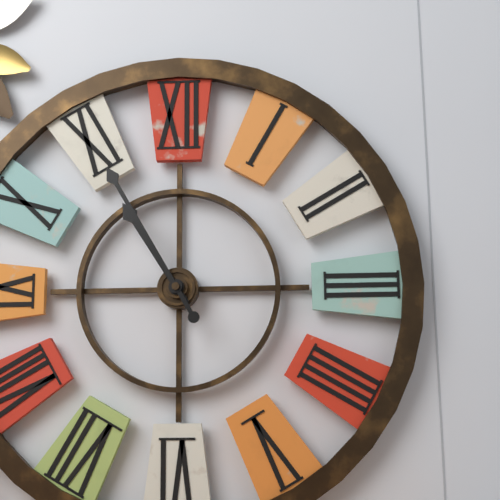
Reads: 10h55
